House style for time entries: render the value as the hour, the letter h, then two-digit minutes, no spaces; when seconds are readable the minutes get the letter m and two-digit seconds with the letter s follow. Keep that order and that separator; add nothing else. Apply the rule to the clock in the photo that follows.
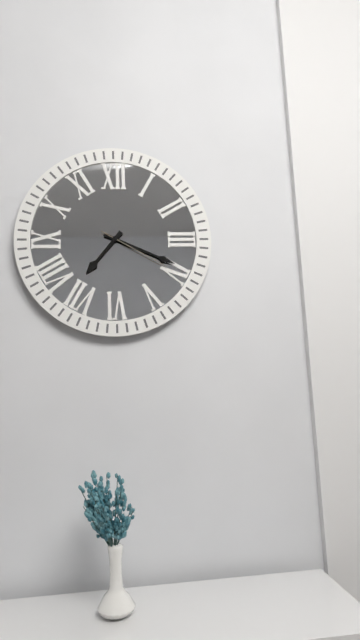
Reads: 7h19m20s
